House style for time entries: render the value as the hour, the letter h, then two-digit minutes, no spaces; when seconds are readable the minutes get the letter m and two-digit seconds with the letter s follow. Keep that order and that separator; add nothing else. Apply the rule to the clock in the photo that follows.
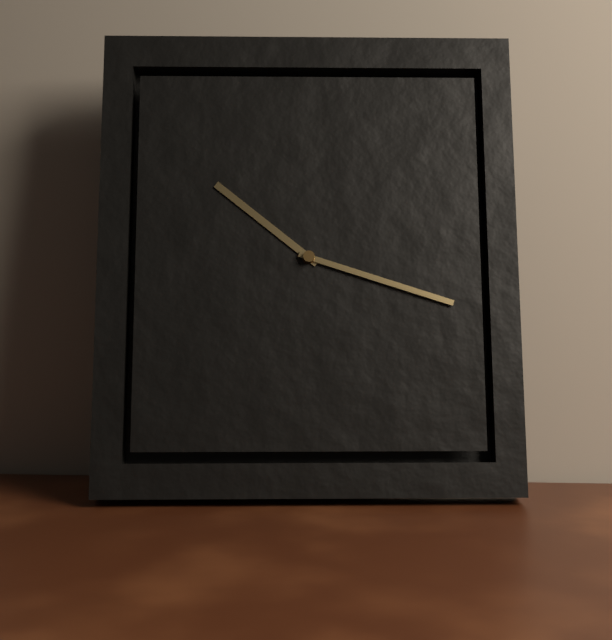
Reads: 10h18
